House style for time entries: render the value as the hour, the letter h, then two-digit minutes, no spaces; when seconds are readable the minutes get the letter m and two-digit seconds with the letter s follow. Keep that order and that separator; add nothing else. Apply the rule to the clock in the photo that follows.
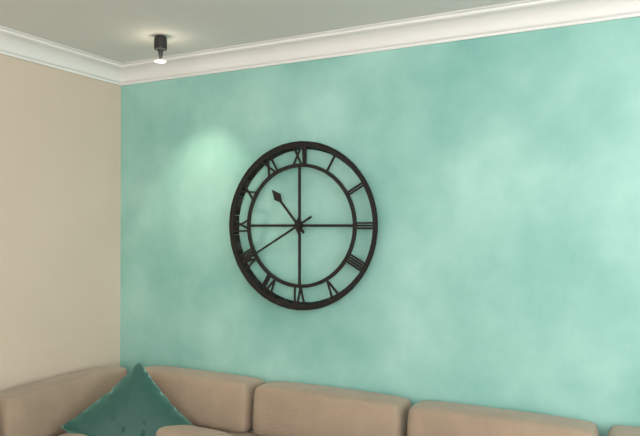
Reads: 10h40
